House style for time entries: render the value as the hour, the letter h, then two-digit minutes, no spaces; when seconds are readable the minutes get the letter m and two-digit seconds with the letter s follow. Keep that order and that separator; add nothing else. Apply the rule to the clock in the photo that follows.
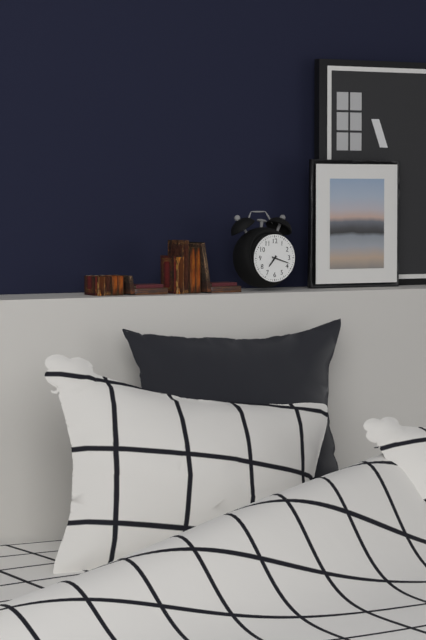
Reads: 7h18
